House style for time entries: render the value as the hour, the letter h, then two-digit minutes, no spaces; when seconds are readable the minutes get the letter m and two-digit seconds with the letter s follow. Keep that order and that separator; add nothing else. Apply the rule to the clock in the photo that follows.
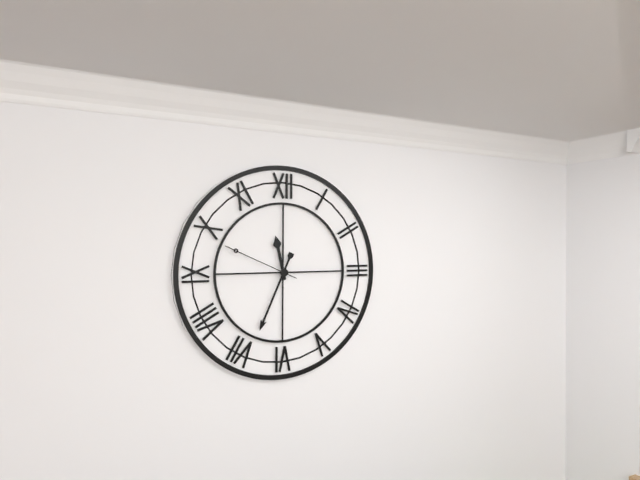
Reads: 11h34m49s
